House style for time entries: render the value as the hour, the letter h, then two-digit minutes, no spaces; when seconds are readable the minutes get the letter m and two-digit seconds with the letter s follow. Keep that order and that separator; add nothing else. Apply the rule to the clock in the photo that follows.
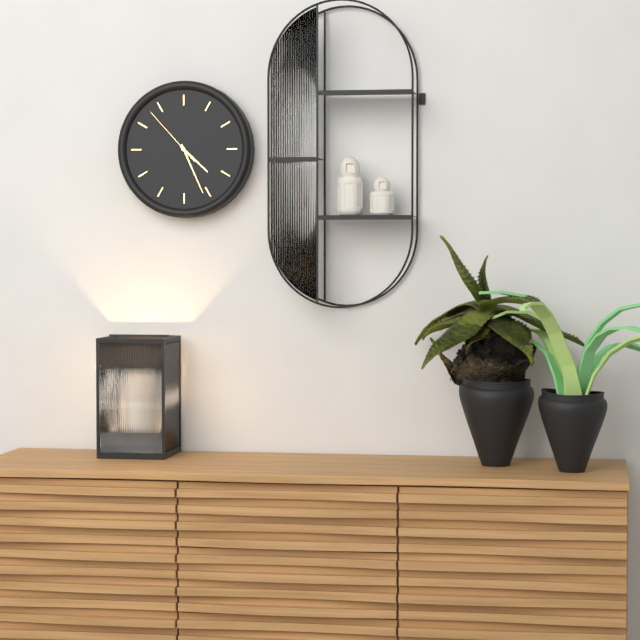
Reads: 4h26m53s
